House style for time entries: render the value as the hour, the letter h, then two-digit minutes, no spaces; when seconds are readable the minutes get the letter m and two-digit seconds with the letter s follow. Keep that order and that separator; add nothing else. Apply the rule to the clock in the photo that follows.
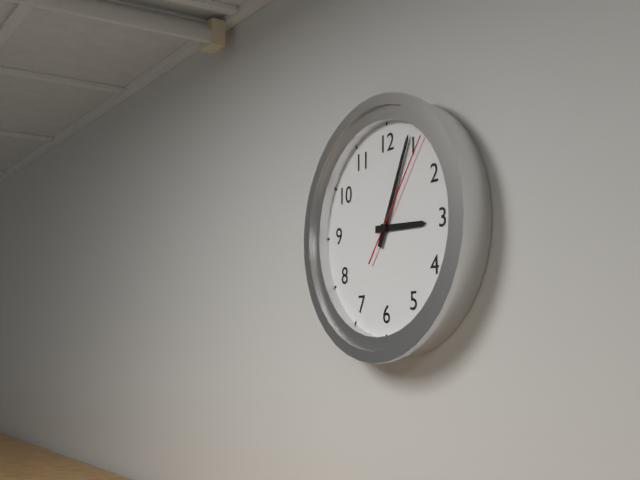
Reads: 3h04m06s
